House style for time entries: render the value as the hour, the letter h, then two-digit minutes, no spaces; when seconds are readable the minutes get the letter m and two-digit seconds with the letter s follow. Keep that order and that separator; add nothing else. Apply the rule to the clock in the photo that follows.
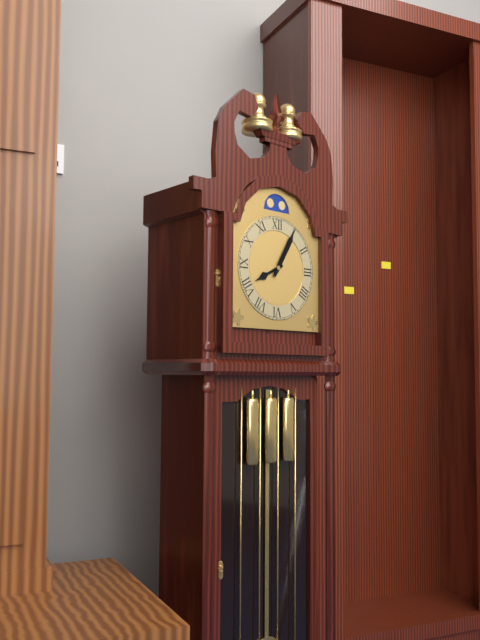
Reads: 8h05
